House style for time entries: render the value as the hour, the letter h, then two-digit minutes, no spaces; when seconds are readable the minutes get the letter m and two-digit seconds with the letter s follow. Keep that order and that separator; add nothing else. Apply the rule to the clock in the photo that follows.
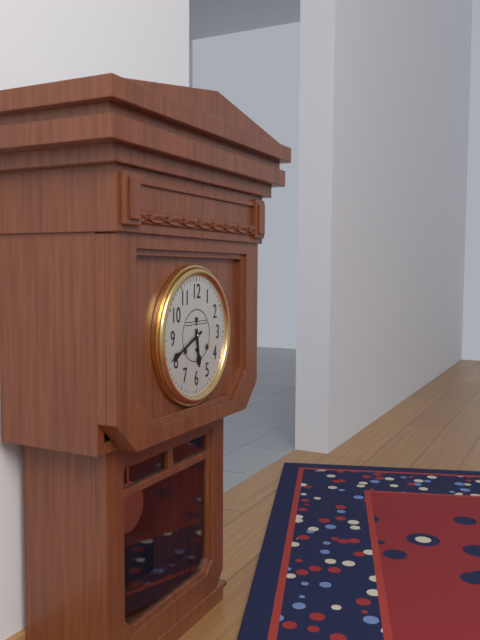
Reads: 5h41
